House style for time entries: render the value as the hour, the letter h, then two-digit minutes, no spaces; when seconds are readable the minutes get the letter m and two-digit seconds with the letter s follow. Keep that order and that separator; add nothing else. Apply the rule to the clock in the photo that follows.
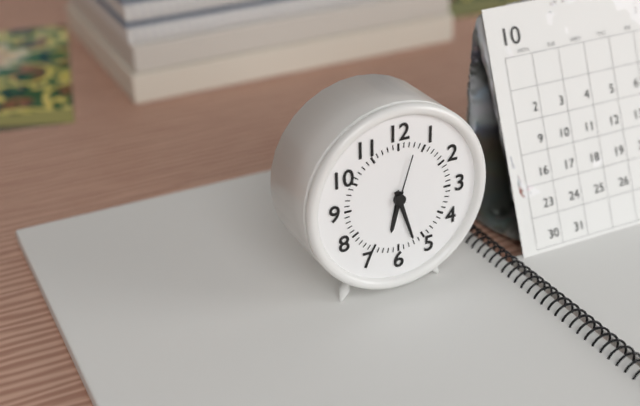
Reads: 6h27m03s
